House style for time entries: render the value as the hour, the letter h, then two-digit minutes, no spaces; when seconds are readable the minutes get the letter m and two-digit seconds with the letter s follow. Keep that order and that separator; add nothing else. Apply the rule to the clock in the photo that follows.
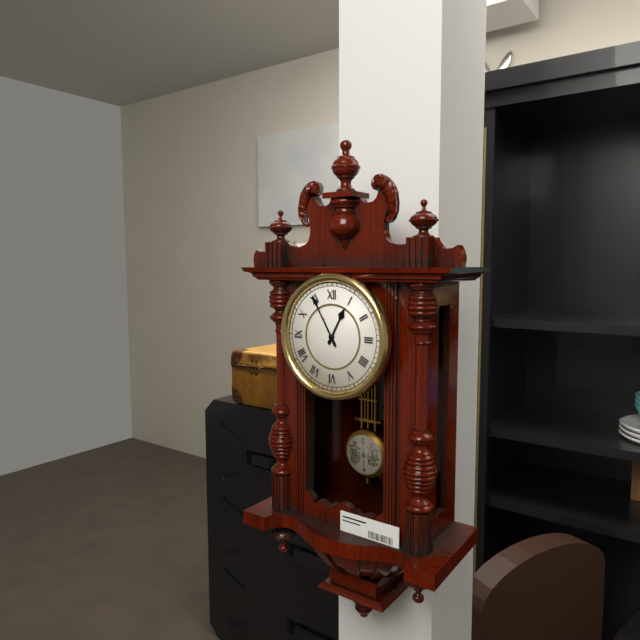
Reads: 12h55
